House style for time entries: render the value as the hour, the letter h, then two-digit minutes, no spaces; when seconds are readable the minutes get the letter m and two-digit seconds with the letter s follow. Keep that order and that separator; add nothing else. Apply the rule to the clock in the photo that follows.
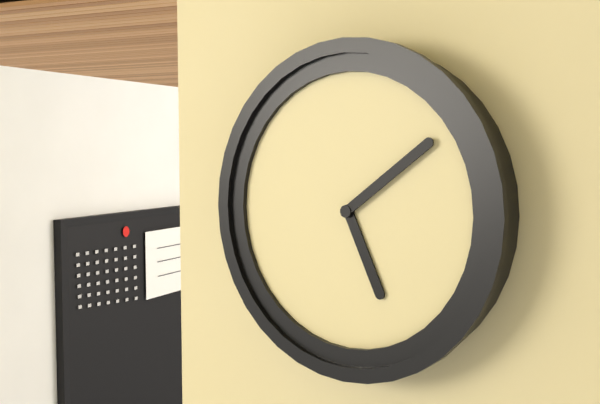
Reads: 5h09
